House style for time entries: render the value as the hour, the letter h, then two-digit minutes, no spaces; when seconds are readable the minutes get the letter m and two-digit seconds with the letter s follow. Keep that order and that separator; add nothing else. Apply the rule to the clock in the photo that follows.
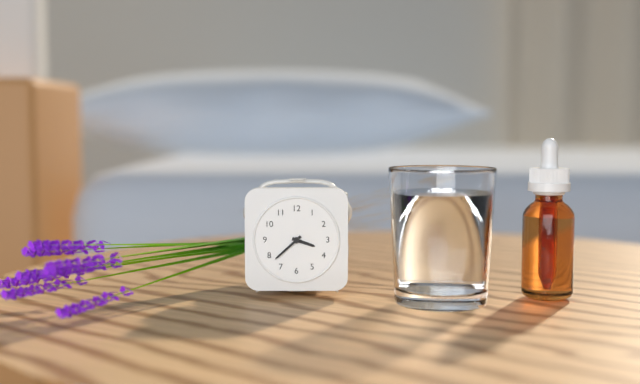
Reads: 3h38
